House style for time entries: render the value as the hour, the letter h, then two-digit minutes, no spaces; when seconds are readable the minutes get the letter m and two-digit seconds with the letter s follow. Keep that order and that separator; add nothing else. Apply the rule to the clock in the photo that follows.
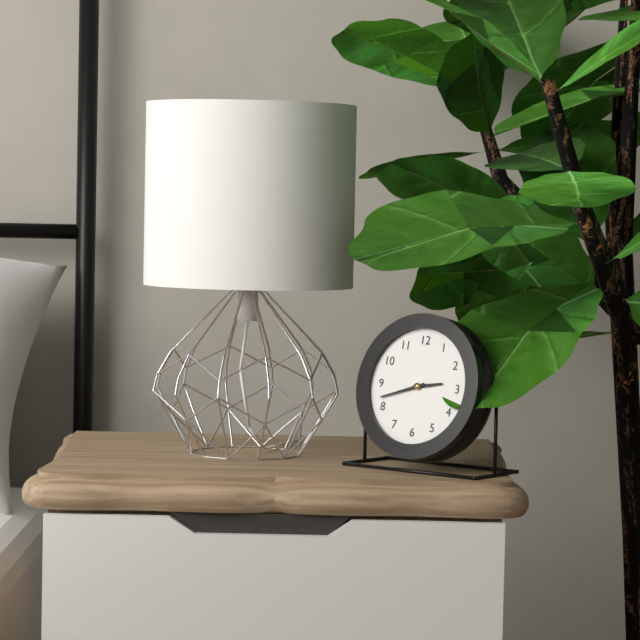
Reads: 2h42
